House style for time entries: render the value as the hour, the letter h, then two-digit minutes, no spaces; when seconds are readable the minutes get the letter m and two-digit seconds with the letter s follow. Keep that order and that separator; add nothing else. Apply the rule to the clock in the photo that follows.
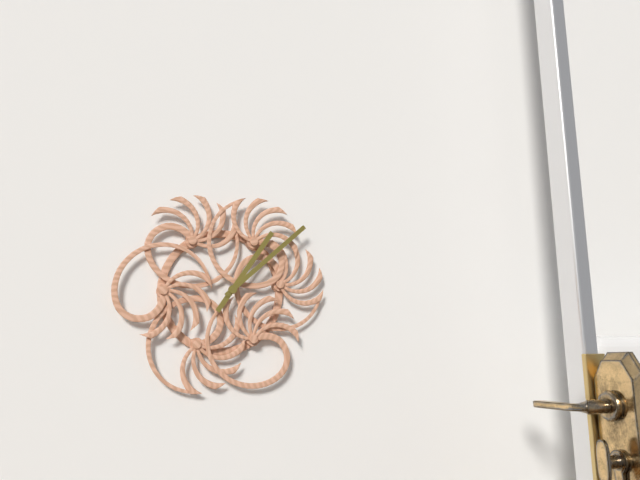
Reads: 1h08
